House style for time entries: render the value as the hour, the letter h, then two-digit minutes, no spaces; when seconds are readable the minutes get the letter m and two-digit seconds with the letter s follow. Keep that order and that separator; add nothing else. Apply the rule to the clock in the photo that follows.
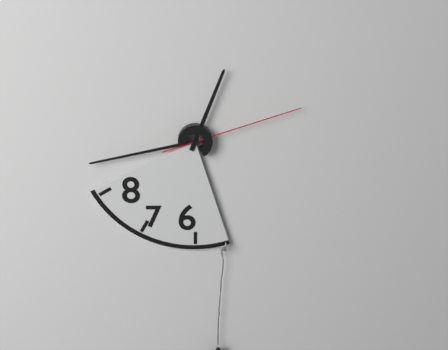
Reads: 12h43m12s
